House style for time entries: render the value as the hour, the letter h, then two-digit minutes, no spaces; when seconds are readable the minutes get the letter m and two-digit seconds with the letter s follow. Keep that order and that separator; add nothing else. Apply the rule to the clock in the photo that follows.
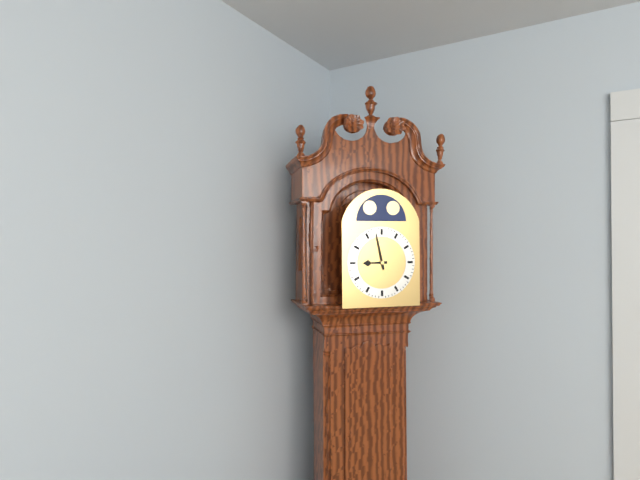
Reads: 8h58
